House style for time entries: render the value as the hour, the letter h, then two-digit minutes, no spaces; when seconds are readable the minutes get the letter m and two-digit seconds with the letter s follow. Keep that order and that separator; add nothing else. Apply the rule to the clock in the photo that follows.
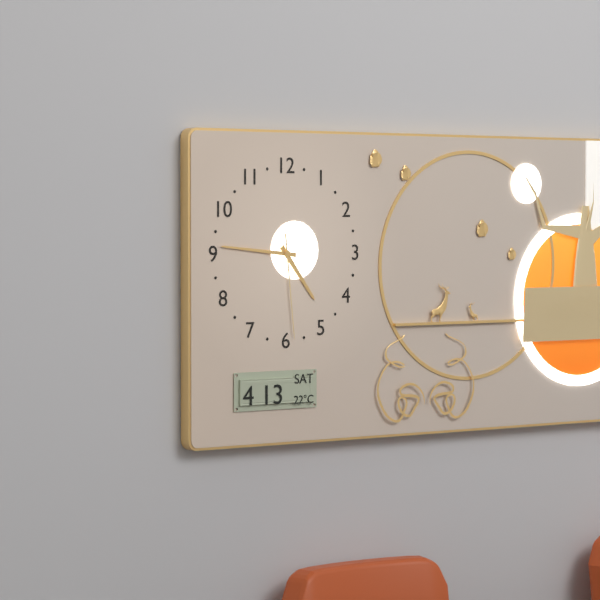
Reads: 4h46m29s
